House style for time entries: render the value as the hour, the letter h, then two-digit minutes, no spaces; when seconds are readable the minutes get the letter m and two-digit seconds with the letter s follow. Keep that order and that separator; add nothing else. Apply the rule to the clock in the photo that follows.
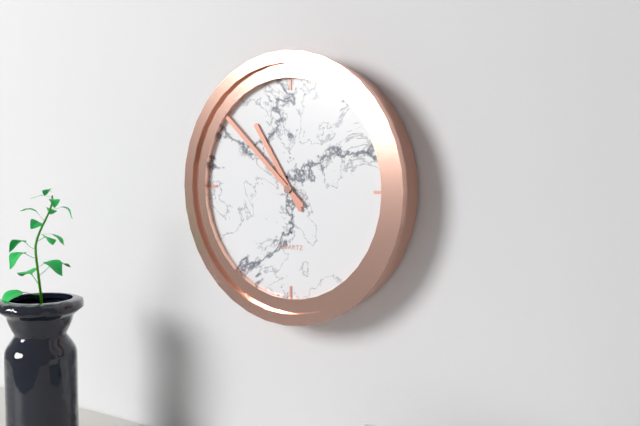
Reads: 10h52
